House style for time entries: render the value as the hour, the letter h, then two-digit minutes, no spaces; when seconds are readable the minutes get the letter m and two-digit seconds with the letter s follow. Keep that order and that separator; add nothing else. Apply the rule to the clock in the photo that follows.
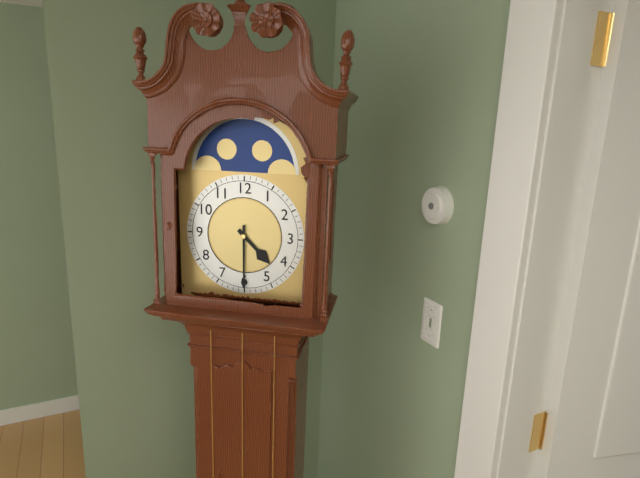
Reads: 4h30
